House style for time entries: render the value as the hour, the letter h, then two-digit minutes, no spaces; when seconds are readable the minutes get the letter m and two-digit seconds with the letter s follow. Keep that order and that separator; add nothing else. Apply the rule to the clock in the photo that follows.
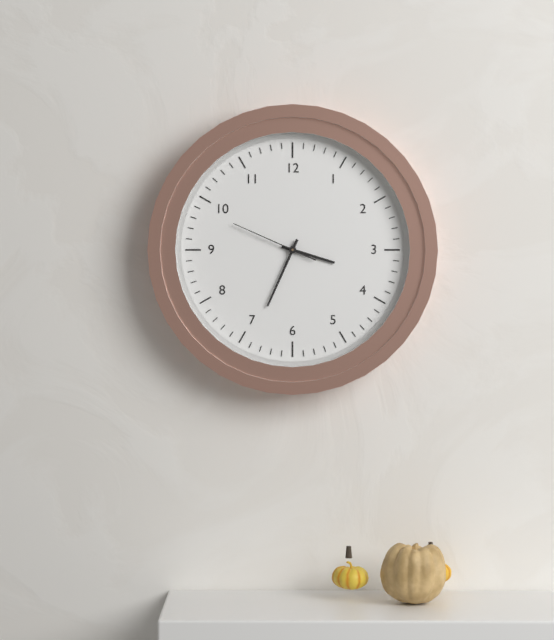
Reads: 3h34m49s
